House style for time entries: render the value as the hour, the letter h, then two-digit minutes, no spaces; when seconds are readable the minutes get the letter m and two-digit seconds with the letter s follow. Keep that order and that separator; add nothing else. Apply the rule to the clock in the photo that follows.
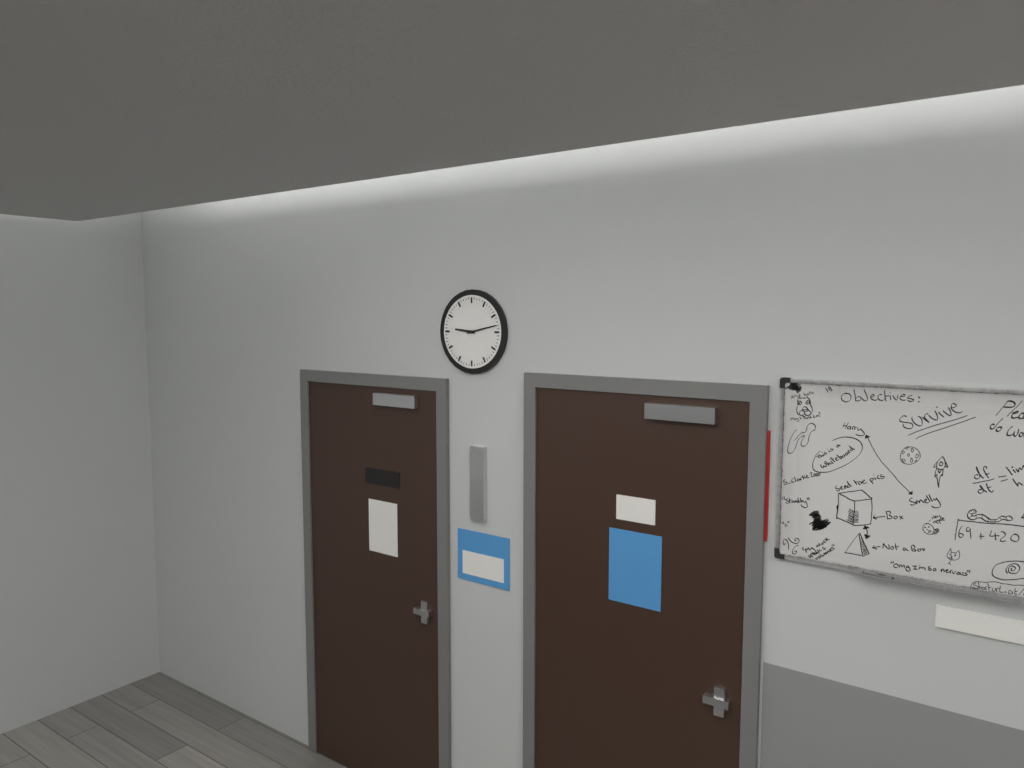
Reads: 9h13
